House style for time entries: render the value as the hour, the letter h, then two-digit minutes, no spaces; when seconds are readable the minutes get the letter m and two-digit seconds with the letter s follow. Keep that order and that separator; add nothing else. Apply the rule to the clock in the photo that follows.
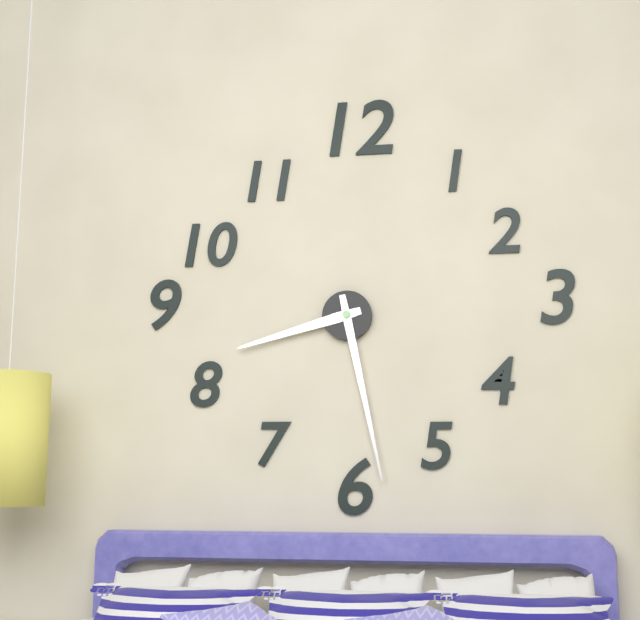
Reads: 8h28
